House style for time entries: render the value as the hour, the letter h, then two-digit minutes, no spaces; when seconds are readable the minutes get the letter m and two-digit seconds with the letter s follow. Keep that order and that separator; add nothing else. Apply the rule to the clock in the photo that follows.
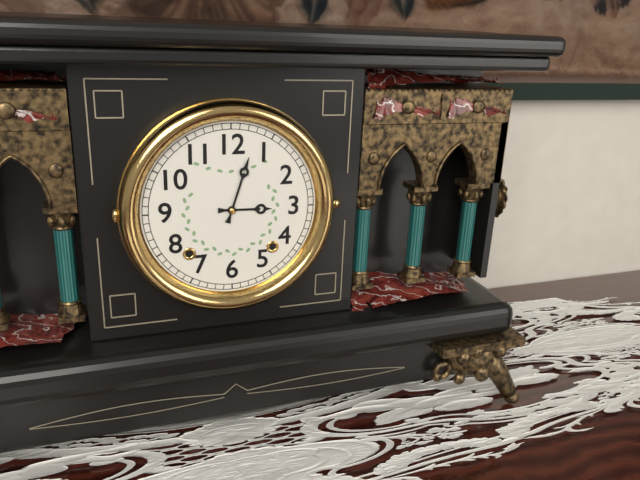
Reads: 3h03
